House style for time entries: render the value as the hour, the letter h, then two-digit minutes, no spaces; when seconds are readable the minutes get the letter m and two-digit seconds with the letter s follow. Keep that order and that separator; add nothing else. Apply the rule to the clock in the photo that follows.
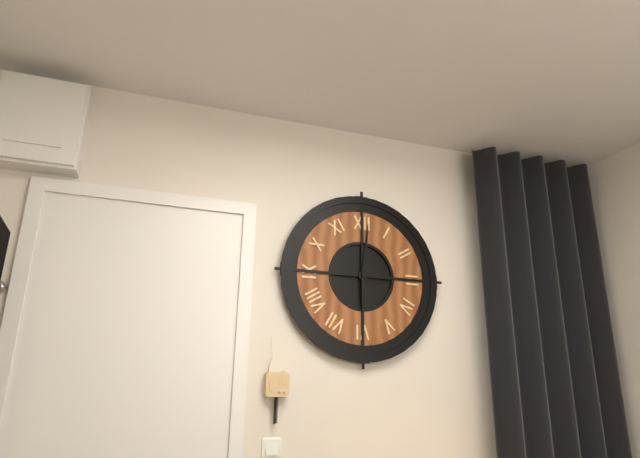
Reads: 6h01
